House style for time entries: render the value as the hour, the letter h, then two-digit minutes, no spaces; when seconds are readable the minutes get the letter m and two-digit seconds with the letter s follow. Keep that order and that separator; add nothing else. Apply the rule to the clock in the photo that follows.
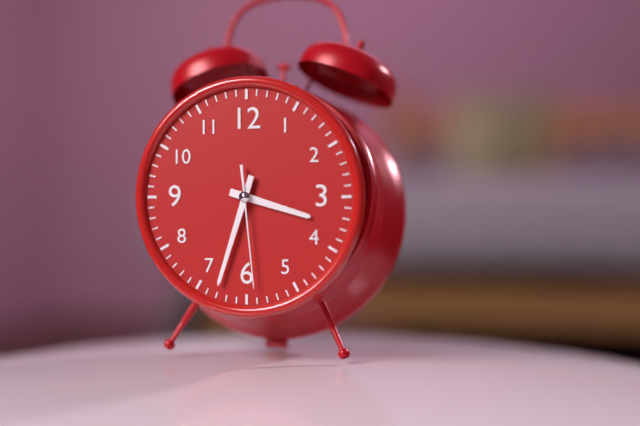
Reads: 3h33m29s
